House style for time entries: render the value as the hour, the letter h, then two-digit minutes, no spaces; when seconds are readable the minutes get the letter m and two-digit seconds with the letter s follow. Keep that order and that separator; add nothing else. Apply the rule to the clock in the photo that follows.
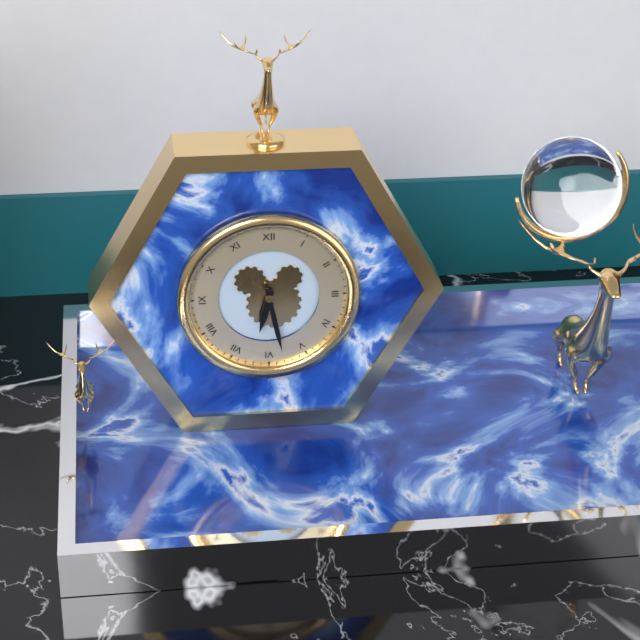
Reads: 6h28
